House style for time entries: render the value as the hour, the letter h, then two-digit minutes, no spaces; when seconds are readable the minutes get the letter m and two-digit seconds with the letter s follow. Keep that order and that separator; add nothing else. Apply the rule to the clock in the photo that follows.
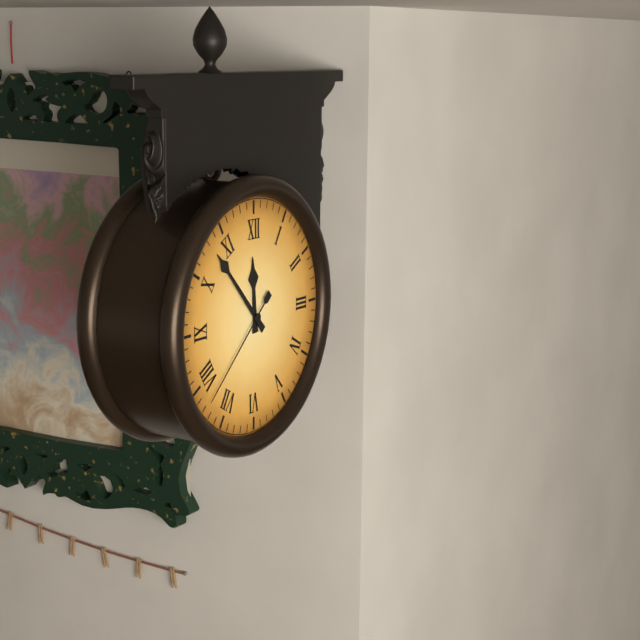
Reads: 11h53m38s
